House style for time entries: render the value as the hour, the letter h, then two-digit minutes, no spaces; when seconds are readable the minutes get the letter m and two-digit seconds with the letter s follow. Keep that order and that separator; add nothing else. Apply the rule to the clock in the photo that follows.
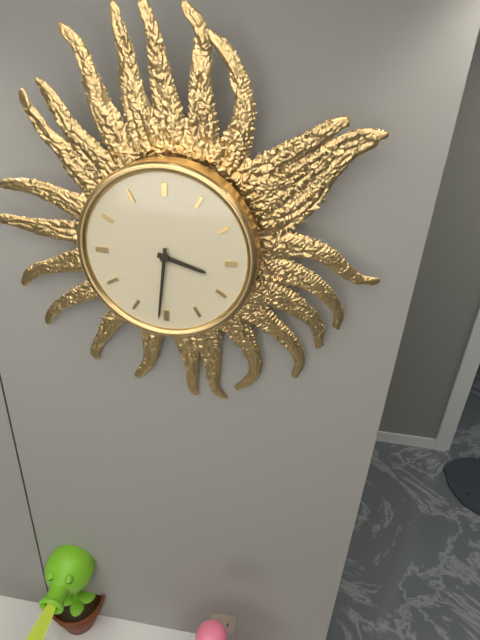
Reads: 3h31
